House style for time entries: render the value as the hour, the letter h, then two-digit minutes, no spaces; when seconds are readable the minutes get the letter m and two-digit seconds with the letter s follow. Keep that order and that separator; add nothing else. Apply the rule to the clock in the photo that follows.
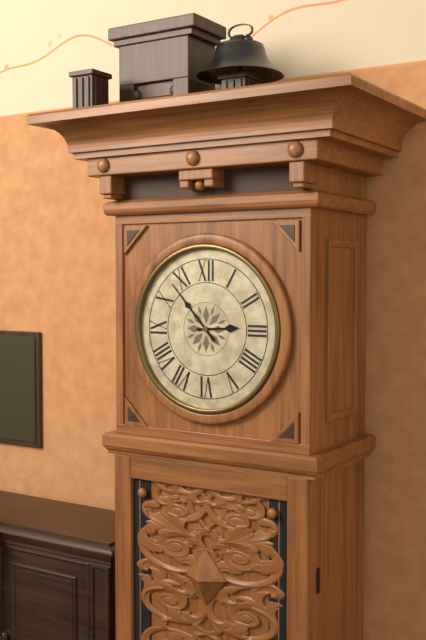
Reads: 2h53
